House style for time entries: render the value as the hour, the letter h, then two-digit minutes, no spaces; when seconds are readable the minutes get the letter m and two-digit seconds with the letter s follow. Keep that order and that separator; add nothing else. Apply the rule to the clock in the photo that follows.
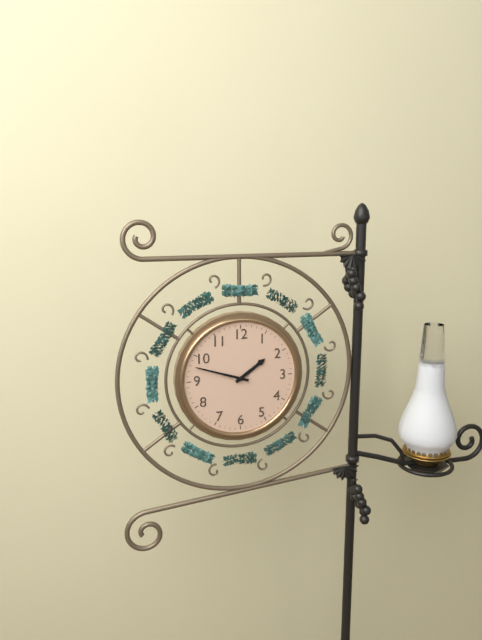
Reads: 1h48
